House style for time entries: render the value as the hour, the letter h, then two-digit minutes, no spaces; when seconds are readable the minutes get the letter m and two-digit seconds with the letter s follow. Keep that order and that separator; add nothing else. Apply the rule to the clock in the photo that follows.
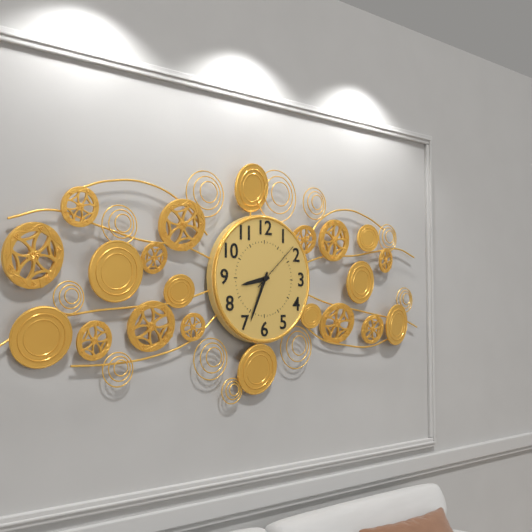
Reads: 8h34m08s
